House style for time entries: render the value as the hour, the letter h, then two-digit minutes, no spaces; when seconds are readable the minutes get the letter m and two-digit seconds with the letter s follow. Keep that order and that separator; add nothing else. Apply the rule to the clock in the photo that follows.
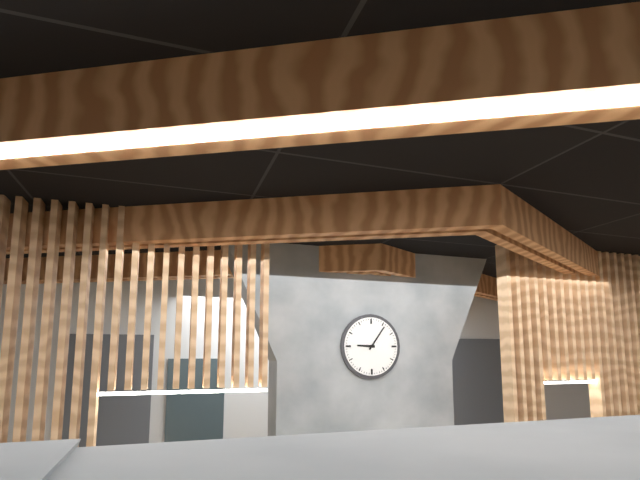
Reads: 9h06
